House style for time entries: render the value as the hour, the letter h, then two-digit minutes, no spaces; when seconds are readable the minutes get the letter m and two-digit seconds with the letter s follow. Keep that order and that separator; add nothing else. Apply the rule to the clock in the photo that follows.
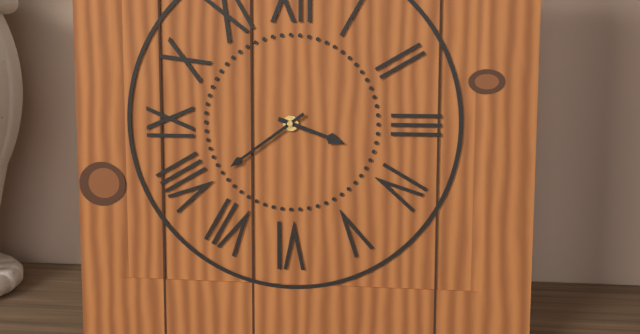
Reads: 3h39
